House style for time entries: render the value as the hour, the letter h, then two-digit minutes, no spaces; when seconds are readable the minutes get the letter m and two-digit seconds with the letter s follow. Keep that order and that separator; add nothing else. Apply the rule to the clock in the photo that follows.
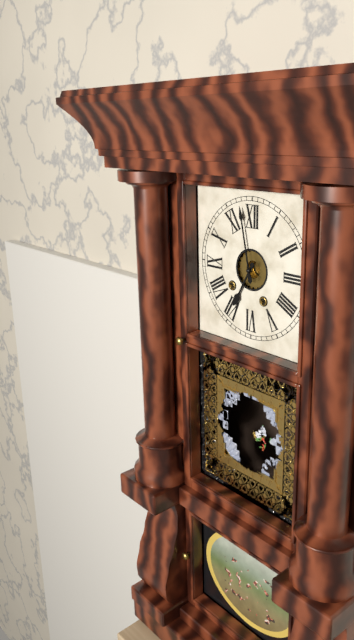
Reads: 6h58
